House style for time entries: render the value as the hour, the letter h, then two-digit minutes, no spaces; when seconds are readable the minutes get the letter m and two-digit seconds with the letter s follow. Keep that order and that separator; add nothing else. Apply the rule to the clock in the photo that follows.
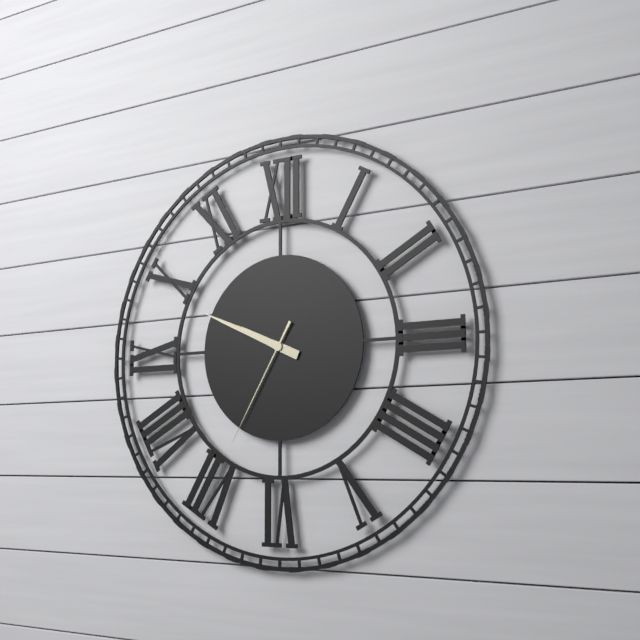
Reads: 9h49m35s
